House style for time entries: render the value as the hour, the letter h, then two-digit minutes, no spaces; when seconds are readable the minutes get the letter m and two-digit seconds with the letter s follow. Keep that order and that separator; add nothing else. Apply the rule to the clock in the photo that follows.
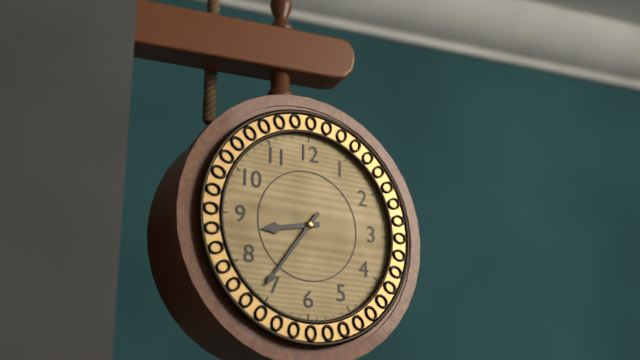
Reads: 8h36
